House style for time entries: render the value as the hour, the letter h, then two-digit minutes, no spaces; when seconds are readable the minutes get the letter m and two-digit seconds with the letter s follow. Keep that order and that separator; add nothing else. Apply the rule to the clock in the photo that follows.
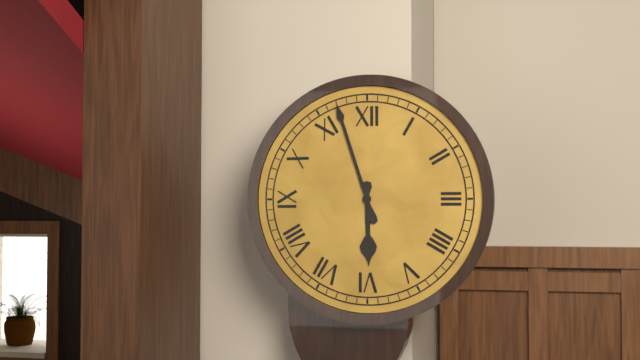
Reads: 5h57
